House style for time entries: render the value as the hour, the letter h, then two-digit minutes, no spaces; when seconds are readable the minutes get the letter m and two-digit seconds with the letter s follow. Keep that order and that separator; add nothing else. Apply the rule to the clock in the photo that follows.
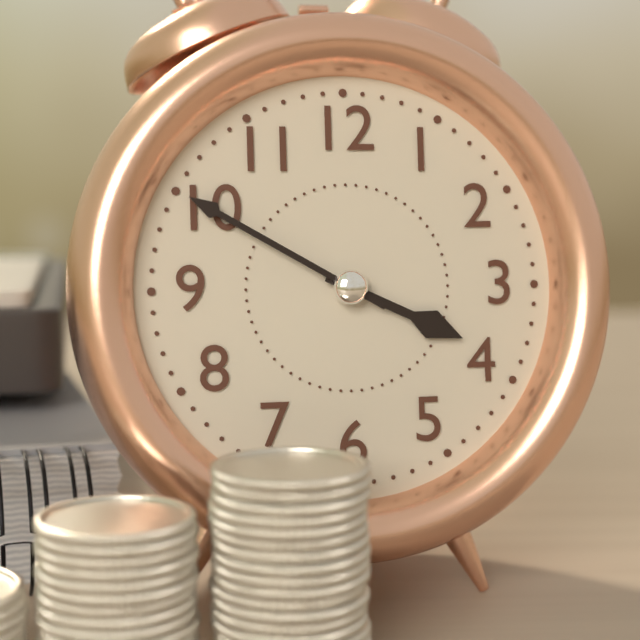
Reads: 3h50
